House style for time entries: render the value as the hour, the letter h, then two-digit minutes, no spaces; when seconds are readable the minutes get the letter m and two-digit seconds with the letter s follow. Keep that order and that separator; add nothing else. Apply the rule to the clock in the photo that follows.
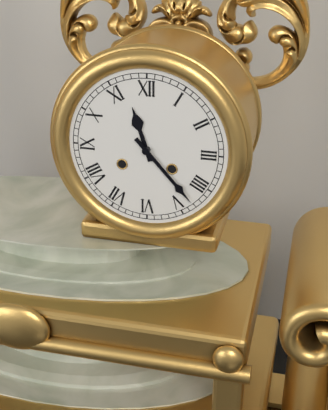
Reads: 11h23
